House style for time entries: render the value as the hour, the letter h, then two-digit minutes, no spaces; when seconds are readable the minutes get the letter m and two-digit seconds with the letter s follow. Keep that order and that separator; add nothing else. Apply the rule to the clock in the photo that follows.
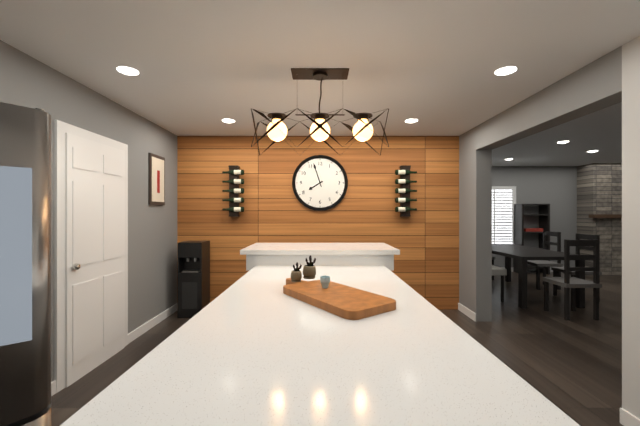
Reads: 7h57
